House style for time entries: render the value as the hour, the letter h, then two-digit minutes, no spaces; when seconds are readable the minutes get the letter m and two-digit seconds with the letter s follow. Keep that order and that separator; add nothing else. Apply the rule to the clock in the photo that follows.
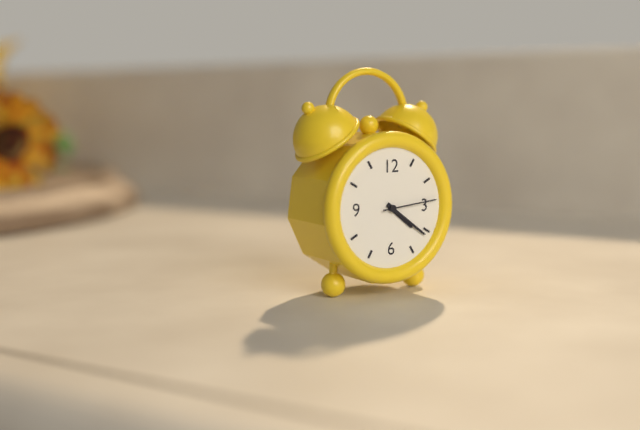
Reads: 4h21m14s
